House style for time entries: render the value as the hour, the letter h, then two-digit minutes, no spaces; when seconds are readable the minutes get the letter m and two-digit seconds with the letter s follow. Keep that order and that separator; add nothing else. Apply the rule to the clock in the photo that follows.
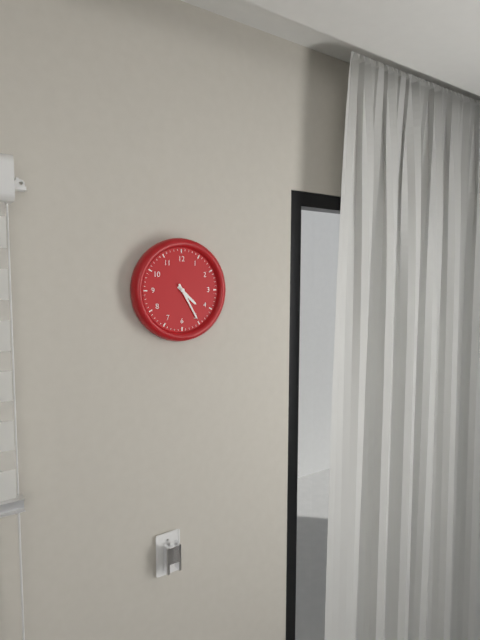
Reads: 4h25
